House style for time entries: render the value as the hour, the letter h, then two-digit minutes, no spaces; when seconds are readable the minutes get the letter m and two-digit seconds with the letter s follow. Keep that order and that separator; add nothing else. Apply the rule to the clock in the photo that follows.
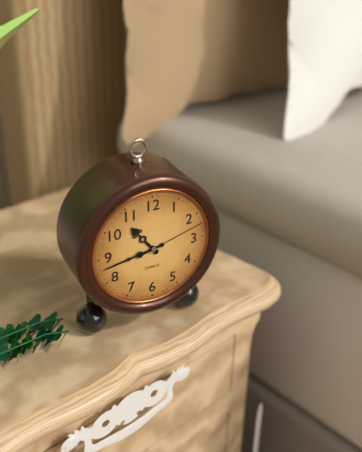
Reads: 10h43m12s
